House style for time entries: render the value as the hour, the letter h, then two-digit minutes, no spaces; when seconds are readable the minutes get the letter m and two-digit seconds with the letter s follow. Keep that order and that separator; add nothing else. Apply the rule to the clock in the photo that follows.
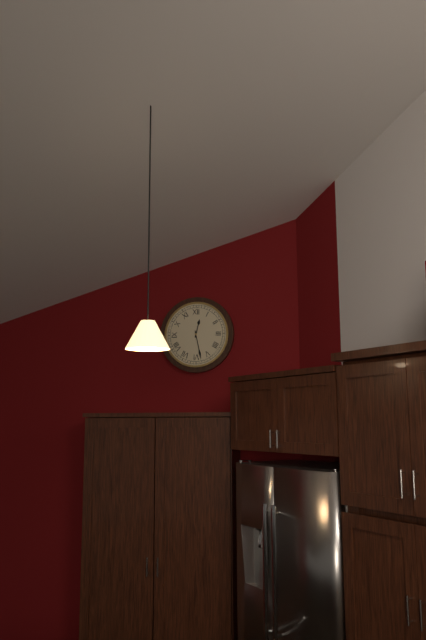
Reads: 12h28
